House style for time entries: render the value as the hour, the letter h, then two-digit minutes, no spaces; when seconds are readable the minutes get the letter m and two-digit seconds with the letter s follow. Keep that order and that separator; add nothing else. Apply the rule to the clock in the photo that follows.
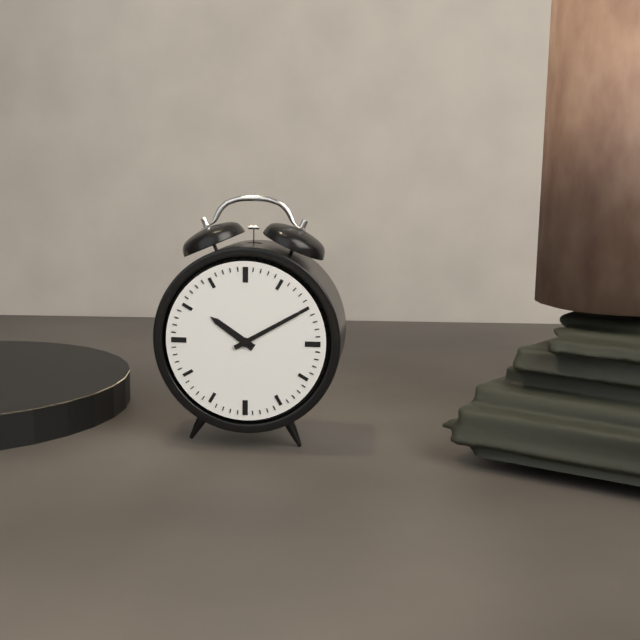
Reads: 10h10
